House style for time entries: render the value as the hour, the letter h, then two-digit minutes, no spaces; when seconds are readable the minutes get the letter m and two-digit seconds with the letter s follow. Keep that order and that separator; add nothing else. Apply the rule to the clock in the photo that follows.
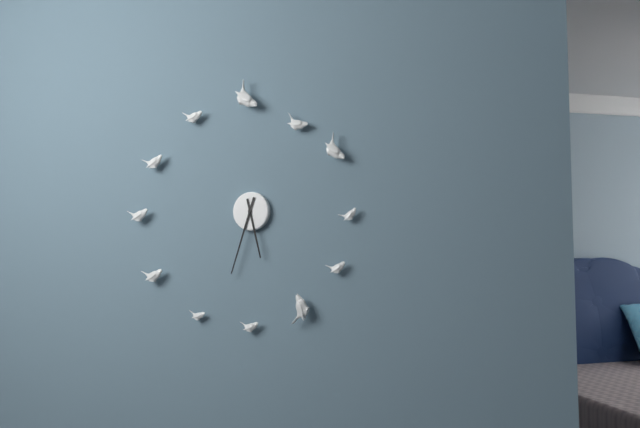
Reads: 5h33
